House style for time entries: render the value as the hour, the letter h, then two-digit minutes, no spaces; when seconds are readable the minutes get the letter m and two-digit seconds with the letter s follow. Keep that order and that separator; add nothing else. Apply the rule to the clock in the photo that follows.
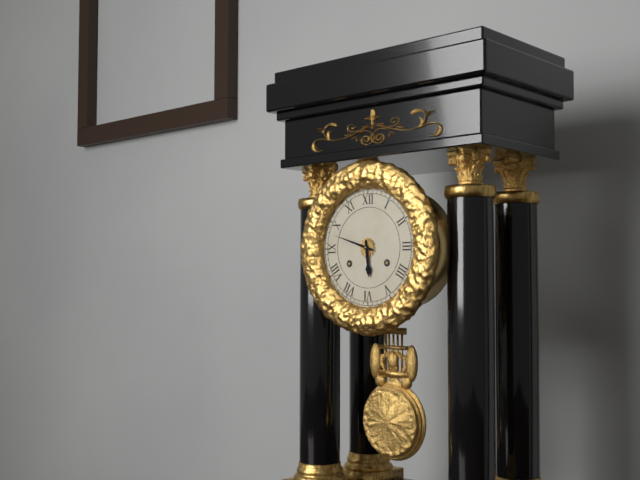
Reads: 5h48
